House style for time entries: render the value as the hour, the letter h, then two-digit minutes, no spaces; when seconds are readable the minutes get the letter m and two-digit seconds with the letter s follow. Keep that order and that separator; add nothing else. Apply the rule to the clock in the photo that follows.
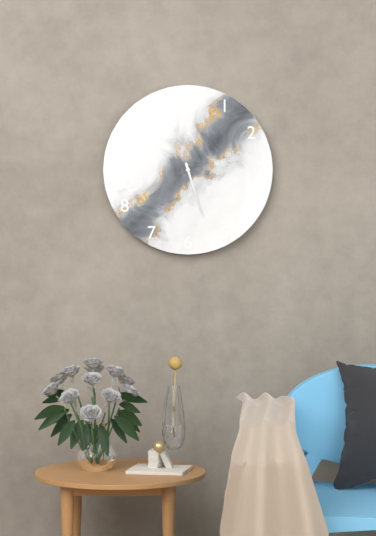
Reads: 5h27
